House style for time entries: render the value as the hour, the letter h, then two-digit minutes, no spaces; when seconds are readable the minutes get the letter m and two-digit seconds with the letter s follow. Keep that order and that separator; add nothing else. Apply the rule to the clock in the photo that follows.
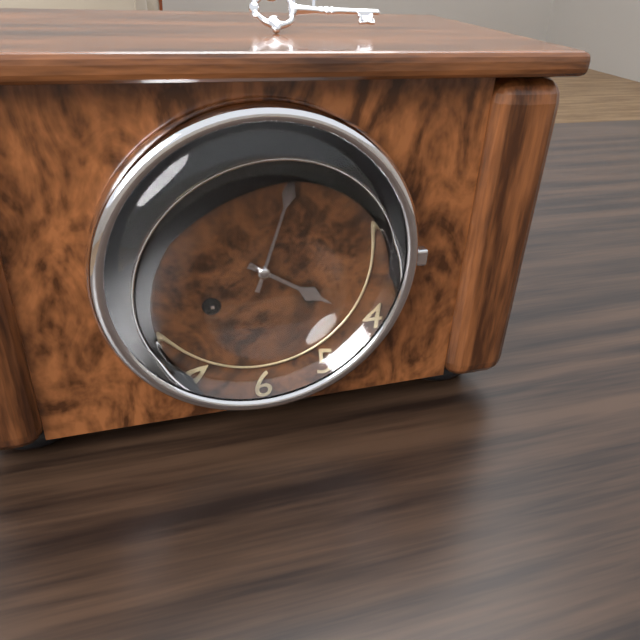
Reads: 4h03
